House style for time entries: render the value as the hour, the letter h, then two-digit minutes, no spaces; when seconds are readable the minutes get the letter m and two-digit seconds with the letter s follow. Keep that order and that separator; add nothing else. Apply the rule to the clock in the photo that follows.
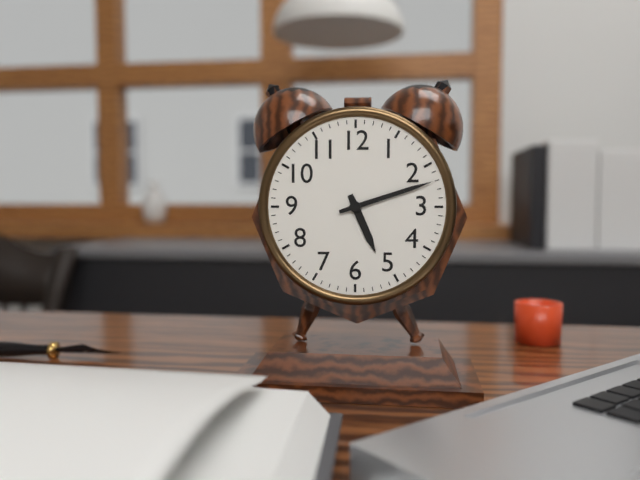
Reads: 5h12
